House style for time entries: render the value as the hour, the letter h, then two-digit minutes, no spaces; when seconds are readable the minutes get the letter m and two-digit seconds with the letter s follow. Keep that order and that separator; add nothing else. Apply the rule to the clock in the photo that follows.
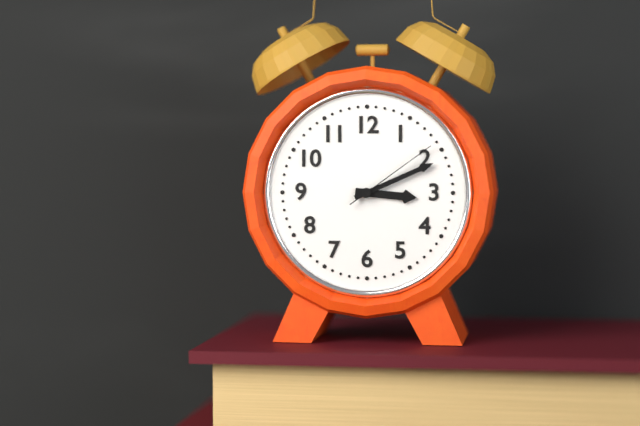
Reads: 3h11m09s
